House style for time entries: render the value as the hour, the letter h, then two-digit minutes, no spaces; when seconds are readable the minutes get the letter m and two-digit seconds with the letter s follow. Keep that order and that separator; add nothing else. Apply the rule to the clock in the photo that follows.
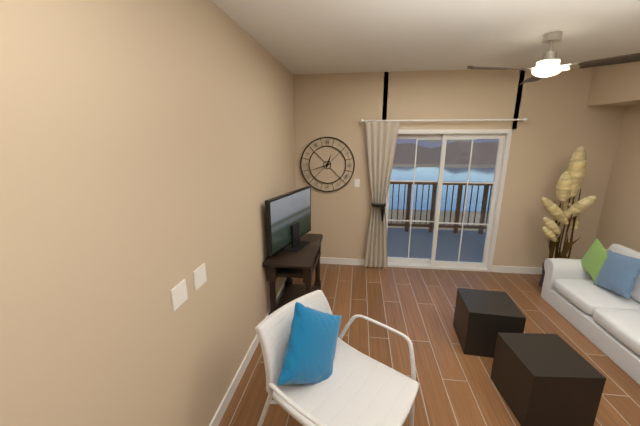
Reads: 12h42
